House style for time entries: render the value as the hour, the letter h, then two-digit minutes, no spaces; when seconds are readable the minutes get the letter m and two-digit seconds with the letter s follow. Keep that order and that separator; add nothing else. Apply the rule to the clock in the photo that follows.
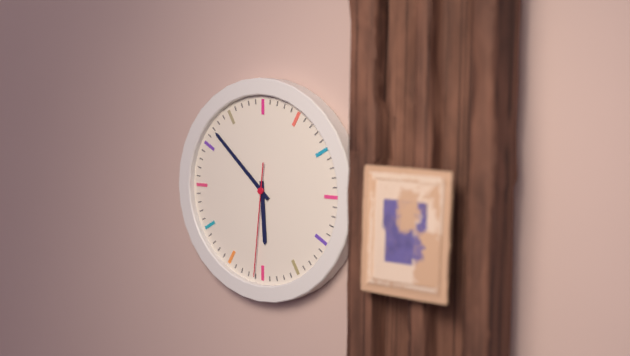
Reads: 5h52m31s
